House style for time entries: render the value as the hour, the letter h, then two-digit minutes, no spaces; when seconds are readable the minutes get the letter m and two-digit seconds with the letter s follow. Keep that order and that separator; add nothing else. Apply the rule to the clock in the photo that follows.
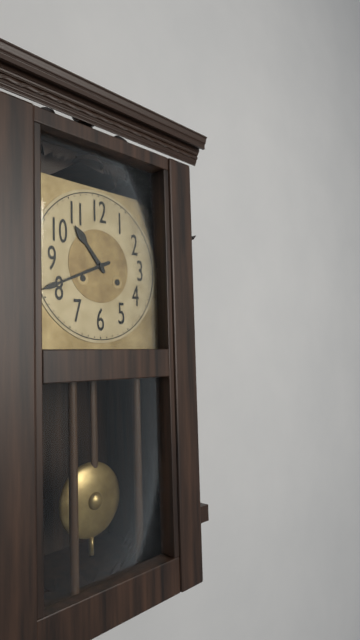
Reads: 10h41
